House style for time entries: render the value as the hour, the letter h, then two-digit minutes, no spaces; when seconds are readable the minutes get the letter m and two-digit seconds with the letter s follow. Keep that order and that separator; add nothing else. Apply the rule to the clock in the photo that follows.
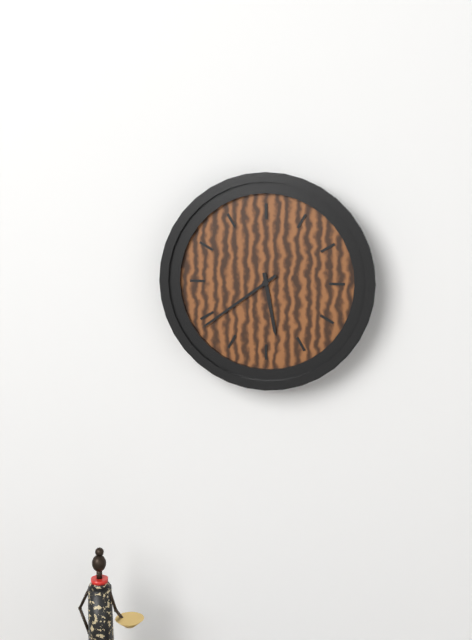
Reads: 5h39
